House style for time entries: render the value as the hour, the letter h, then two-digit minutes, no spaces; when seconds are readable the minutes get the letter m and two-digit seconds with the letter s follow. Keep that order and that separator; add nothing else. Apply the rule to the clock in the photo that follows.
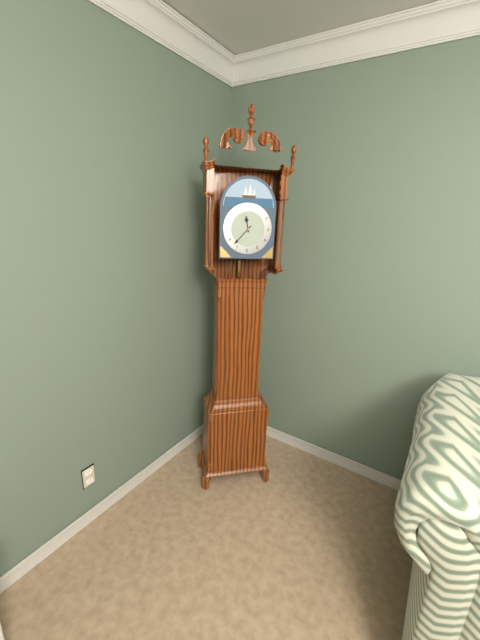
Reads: 11h37
